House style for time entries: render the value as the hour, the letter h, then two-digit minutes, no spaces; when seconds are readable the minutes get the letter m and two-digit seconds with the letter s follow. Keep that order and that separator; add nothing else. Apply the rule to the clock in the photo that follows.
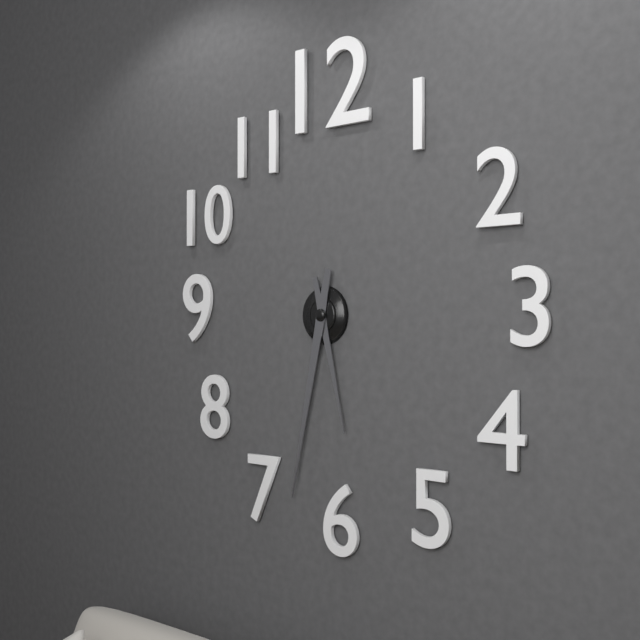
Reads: 5h32
